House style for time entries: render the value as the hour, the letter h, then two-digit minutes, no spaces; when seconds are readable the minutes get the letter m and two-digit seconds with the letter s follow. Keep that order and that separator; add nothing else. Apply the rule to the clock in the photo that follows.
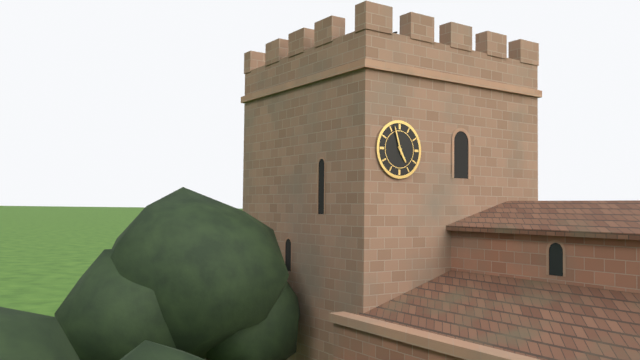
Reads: 4h57
